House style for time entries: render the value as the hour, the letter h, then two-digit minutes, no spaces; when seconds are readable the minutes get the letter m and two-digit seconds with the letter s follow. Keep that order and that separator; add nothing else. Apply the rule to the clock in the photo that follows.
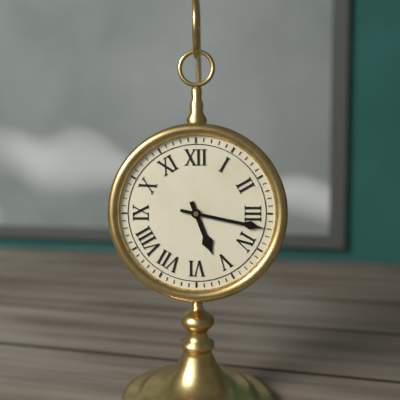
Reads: 5h17
